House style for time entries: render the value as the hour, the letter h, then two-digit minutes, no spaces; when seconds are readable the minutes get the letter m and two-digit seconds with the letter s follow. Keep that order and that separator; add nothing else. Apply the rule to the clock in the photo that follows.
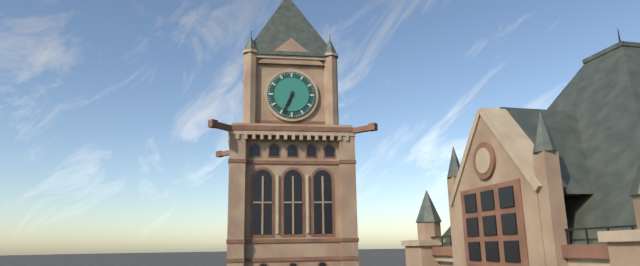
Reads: 6h34
